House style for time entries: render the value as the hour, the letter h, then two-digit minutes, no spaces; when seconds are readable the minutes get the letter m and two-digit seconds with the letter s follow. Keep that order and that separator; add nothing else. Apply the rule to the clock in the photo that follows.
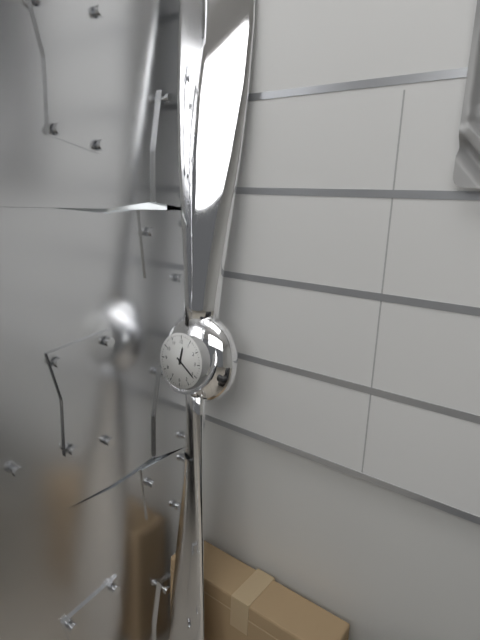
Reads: 12h21
